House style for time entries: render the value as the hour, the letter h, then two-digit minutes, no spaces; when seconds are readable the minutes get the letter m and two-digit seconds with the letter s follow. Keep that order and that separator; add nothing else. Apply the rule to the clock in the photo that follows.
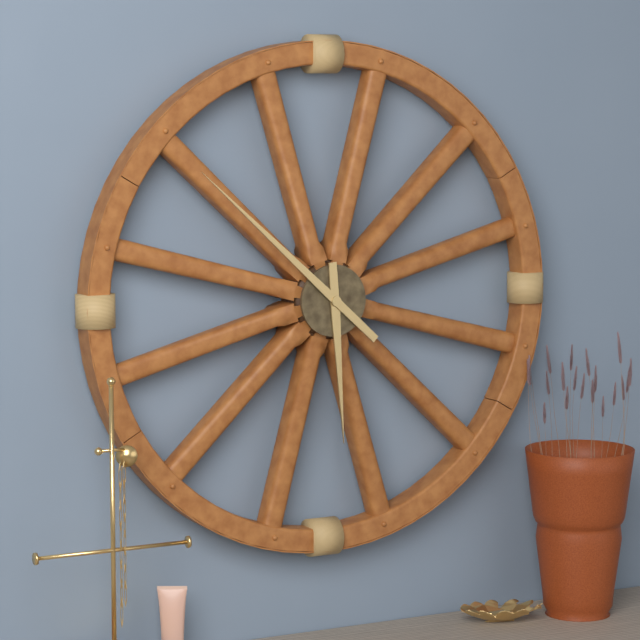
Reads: 5h52
